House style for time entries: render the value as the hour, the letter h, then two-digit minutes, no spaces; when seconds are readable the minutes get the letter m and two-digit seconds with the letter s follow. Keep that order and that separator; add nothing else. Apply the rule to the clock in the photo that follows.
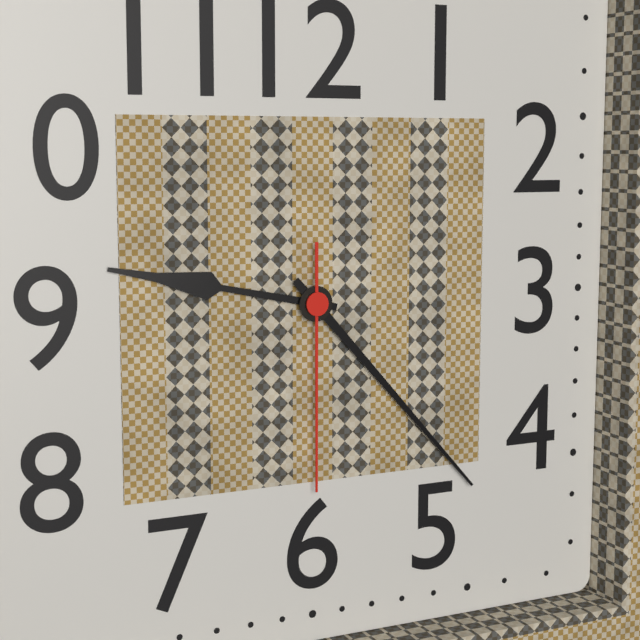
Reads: 9h23m30s
